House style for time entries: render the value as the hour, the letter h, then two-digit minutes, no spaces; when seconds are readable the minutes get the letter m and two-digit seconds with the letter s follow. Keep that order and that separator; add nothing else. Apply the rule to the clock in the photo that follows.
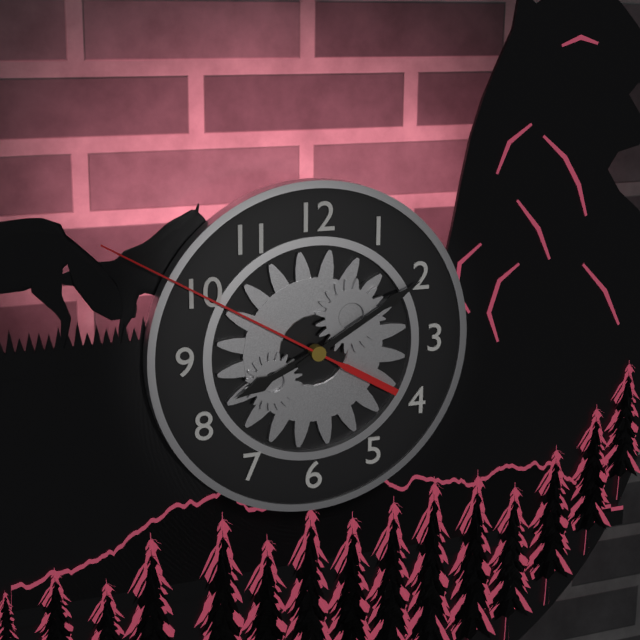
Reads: 8h10m50s
